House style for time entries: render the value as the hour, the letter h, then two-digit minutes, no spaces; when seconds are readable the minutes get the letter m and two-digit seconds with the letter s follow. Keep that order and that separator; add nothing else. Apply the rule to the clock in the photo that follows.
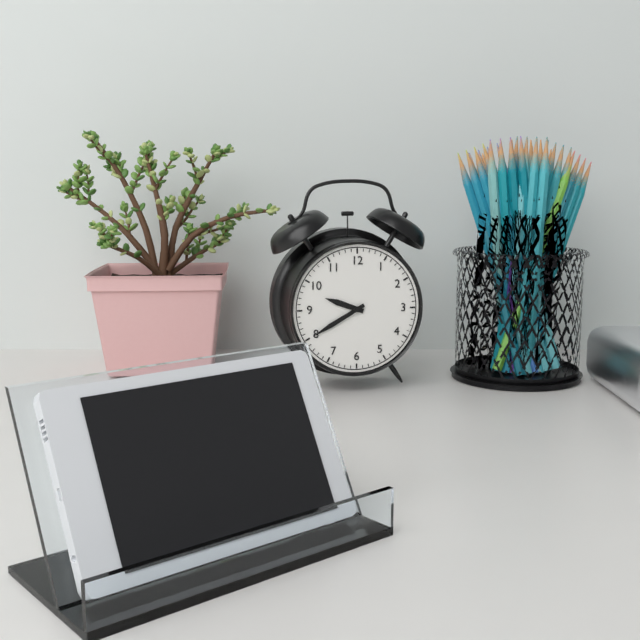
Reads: 9h40
